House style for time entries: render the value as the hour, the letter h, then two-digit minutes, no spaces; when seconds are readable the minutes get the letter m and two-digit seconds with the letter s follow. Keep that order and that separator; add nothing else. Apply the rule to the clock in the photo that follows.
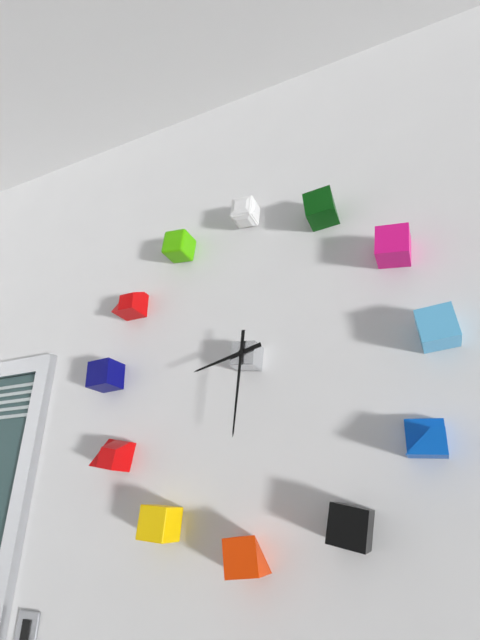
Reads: 8h31
